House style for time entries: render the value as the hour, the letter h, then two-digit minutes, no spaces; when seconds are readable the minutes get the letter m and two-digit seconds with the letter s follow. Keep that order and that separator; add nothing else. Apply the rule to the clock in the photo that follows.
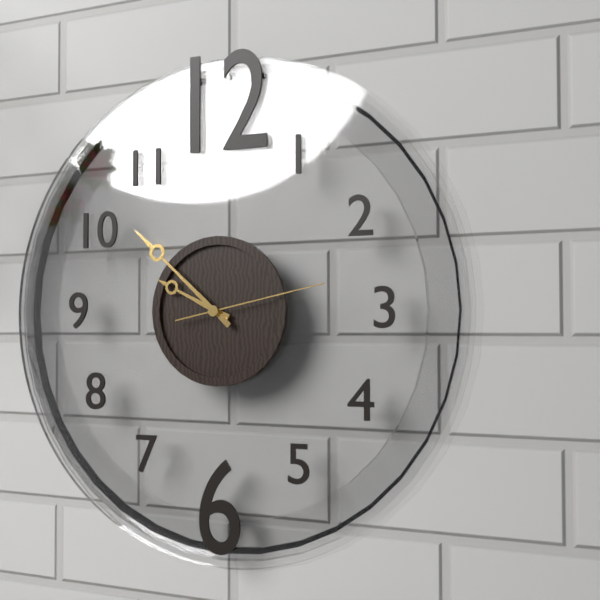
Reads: 9h52m13s
